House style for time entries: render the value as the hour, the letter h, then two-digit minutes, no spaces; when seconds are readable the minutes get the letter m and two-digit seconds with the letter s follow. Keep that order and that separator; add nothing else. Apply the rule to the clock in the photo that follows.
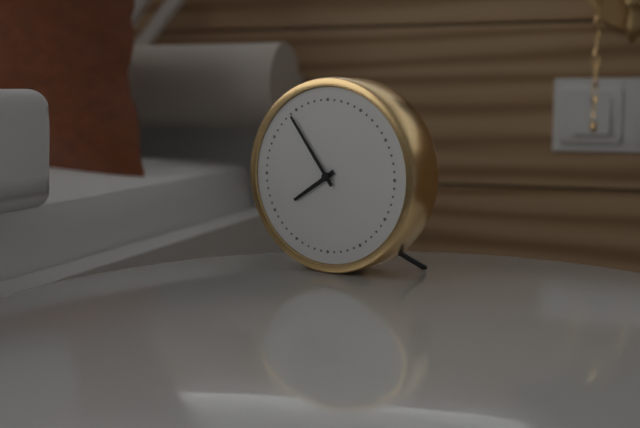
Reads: 7h54
